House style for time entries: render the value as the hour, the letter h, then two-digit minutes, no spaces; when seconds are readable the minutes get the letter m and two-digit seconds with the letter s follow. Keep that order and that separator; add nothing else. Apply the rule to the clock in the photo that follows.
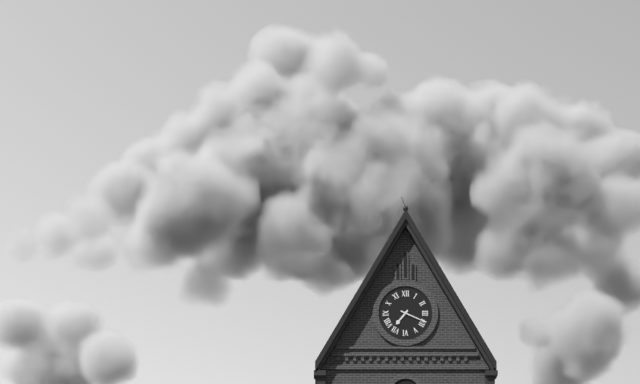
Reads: 7h19
